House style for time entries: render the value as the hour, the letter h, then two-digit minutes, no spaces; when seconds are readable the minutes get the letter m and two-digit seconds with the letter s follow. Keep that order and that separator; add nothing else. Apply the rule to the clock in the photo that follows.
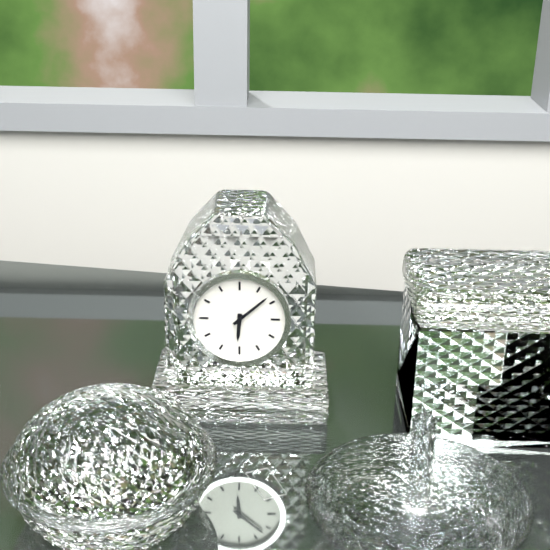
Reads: 6h08
